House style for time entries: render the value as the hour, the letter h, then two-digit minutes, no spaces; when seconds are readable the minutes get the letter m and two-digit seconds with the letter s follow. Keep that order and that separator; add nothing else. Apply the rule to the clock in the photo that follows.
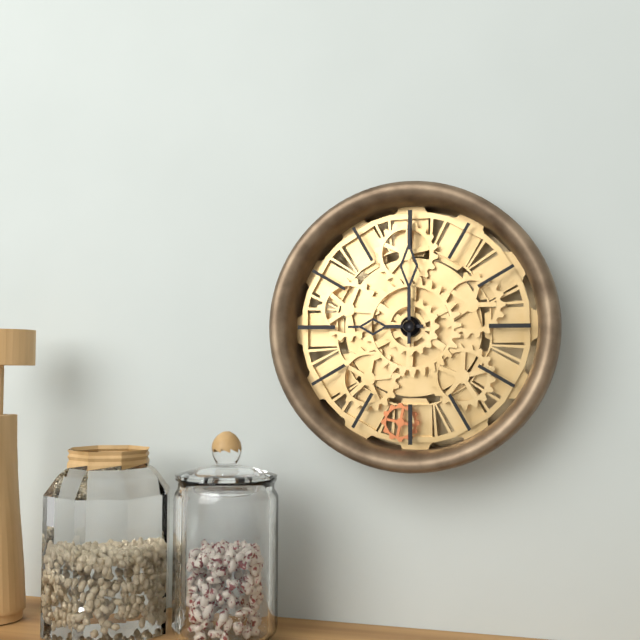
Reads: 9h00
